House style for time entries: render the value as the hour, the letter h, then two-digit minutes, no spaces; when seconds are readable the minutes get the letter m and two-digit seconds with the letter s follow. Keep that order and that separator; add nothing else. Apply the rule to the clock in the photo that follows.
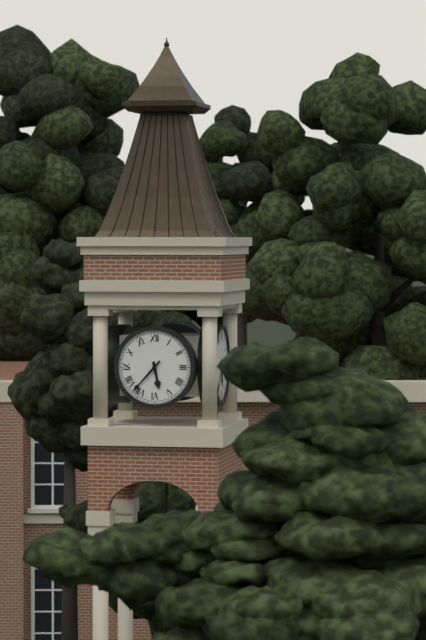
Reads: 5h37
